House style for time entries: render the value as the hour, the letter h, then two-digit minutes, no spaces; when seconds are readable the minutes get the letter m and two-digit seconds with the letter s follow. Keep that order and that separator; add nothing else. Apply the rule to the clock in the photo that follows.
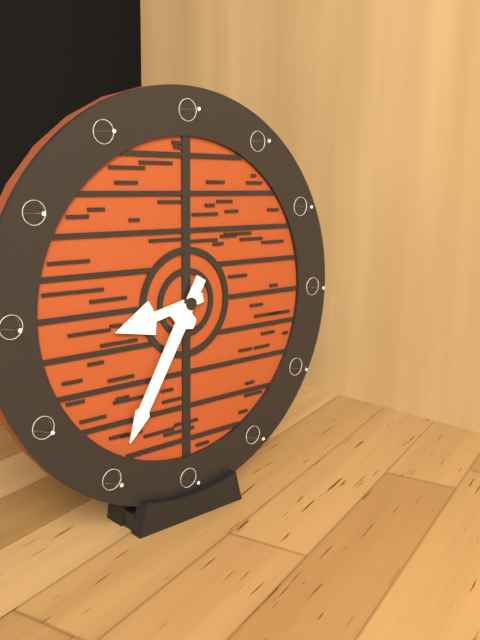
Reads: 8h35
